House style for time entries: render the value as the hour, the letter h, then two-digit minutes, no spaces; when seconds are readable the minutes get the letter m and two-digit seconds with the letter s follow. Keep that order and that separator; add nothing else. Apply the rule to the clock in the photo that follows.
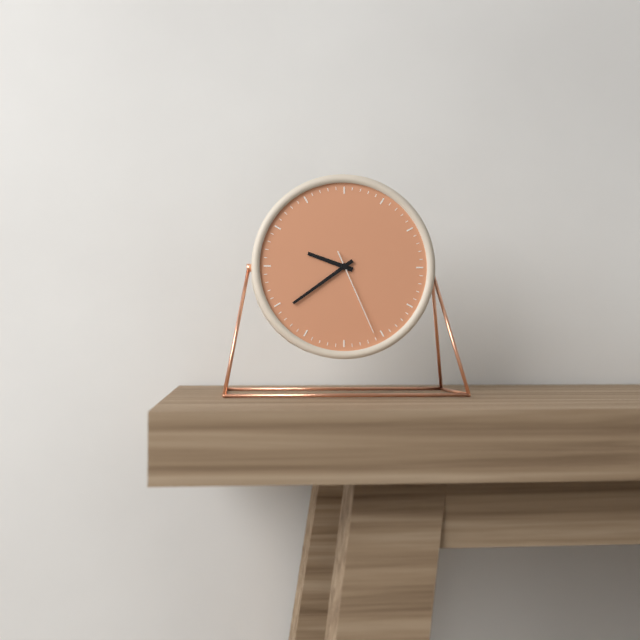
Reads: 9h39m26s
